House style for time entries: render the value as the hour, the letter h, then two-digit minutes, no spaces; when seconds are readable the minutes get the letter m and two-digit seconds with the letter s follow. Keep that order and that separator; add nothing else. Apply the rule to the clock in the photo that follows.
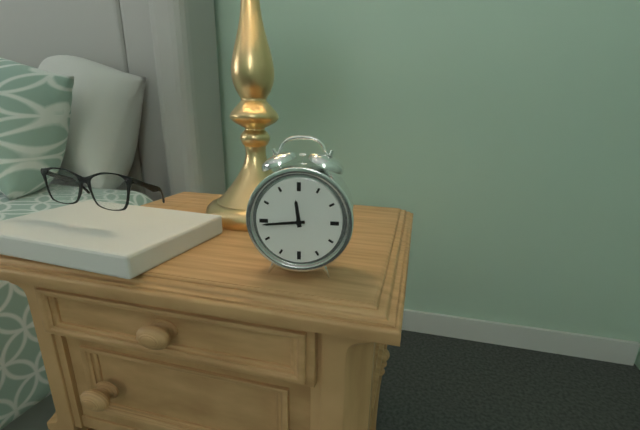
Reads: 11h44
